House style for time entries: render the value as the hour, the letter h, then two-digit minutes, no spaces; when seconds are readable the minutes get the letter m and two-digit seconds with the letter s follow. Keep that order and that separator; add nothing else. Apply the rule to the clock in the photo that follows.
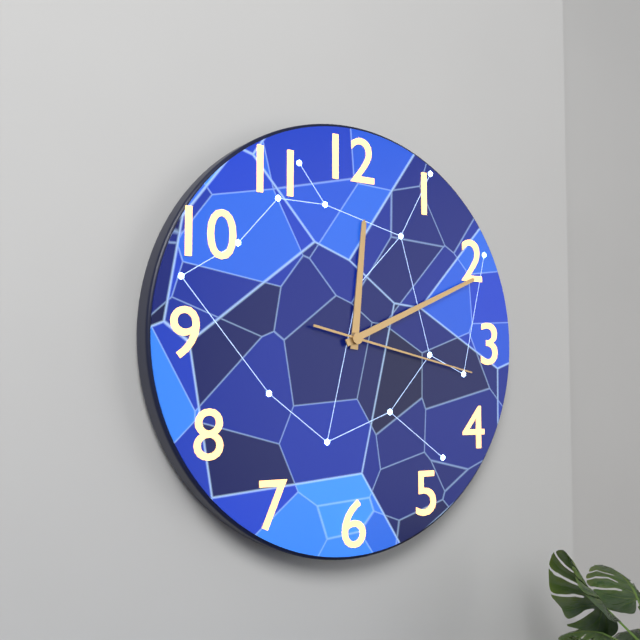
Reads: 12h11m17s
